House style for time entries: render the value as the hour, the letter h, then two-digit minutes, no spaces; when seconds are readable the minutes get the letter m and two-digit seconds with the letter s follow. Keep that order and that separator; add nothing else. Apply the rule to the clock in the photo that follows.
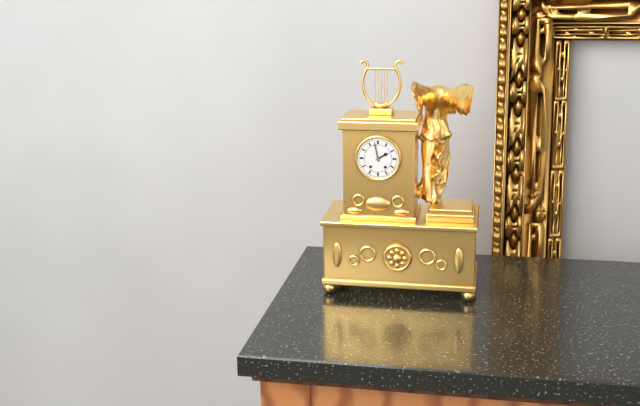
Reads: 1h58
